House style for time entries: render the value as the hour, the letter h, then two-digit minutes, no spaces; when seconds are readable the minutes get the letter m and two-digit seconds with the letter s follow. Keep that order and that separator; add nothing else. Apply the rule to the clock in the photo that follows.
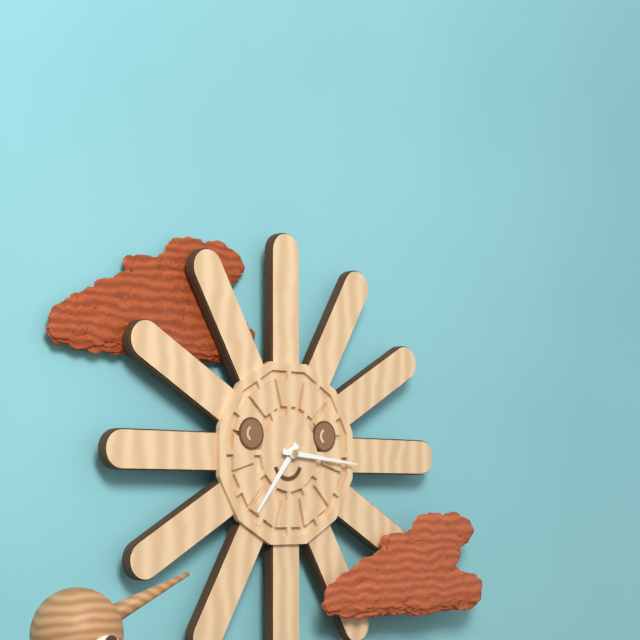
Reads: 7h16
